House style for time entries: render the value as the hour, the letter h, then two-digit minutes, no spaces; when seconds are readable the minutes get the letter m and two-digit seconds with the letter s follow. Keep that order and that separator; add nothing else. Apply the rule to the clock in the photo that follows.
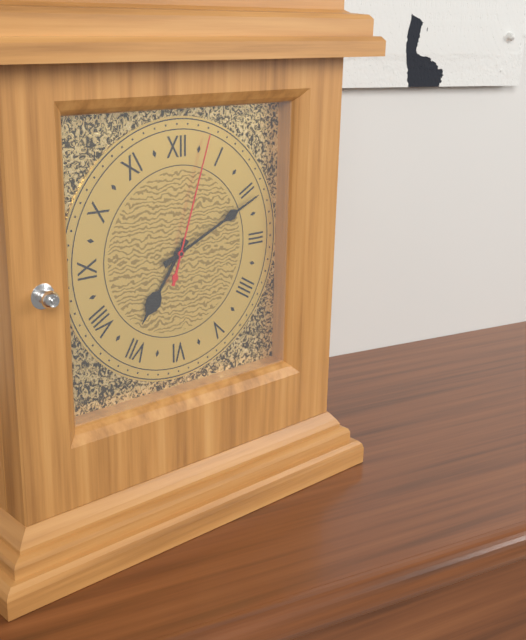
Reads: 7h11m03s
